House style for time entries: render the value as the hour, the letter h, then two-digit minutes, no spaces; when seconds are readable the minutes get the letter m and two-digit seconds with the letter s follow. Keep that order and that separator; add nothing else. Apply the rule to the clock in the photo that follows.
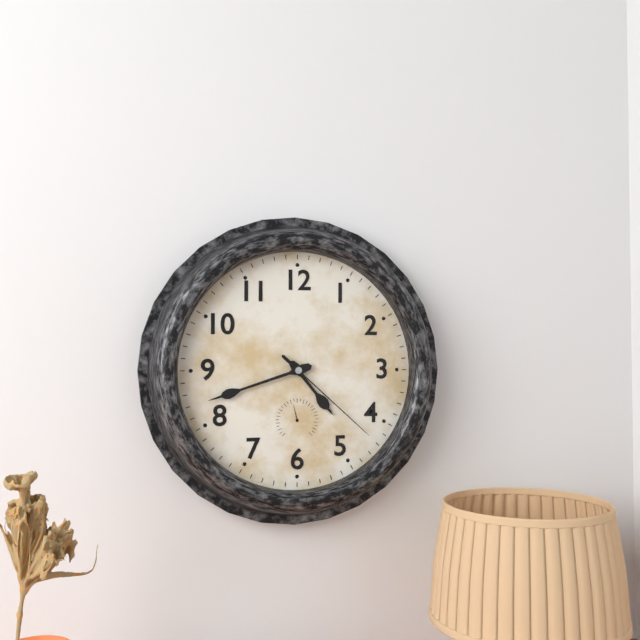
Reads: 4h42m22s
